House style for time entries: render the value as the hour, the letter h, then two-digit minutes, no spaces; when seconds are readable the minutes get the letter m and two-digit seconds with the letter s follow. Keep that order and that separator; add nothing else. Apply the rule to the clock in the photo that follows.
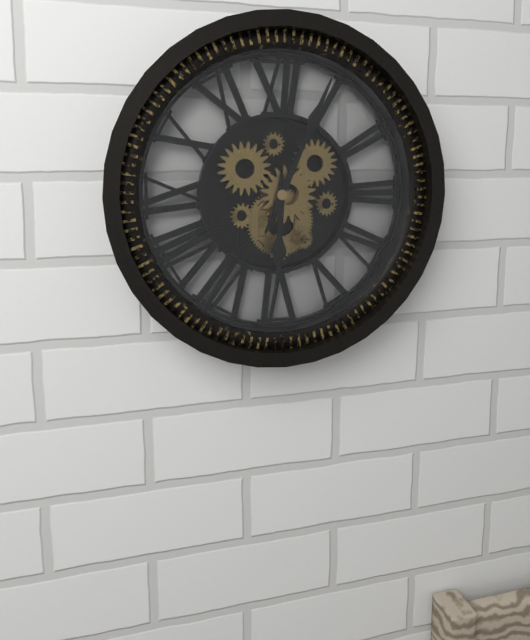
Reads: 6h04
